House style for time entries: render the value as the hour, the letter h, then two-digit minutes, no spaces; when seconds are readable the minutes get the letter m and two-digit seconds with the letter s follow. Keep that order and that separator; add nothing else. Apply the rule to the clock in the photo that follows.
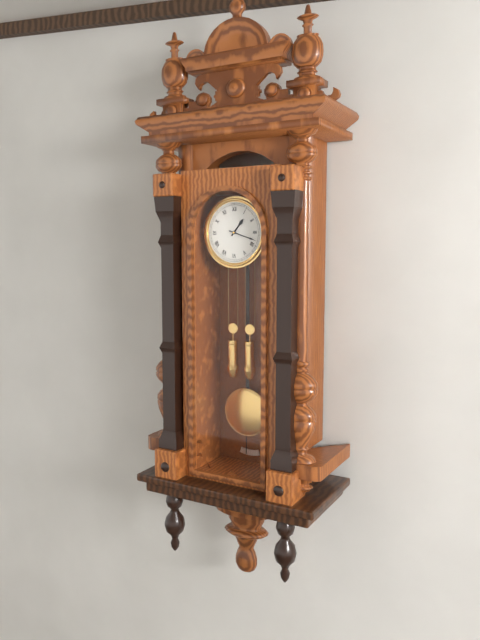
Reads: 1h18
